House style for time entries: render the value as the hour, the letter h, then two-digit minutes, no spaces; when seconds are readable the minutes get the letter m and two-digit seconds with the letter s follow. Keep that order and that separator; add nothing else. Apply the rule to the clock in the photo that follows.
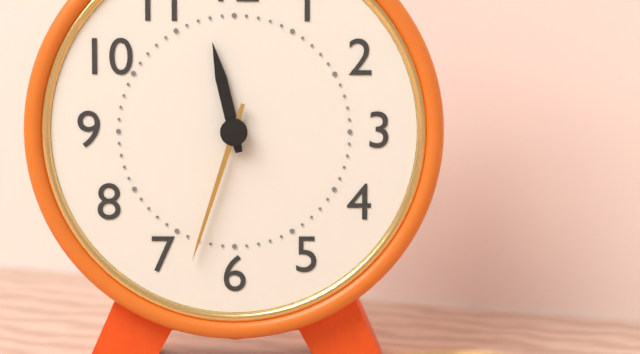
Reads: 11h33
